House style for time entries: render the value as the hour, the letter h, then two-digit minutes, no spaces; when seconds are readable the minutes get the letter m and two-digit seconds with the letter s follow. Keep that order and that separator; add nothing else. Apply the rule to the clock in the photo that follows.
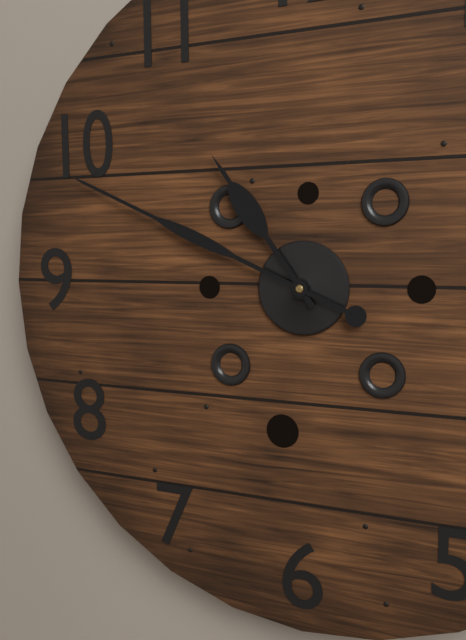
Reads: 10h49
